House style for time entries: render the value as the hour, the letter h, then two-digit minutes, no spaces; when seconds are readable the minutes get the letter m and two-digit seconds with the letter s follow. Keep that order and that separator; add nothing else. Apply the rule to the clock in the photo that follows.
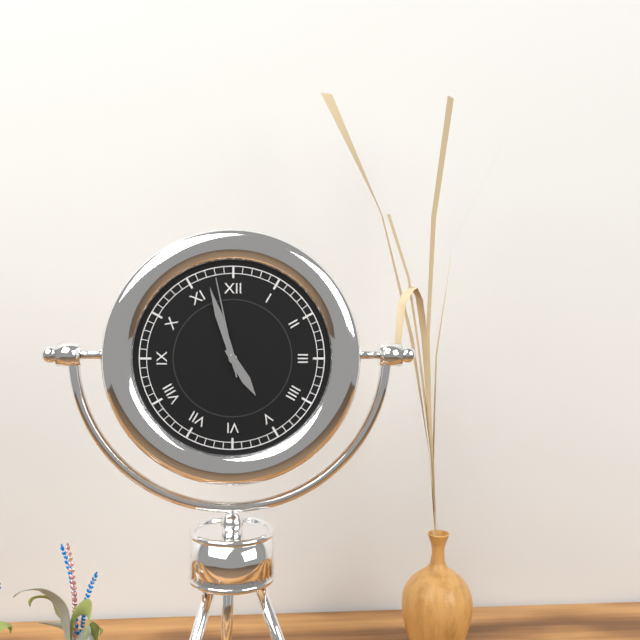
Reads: 4h57m58s
